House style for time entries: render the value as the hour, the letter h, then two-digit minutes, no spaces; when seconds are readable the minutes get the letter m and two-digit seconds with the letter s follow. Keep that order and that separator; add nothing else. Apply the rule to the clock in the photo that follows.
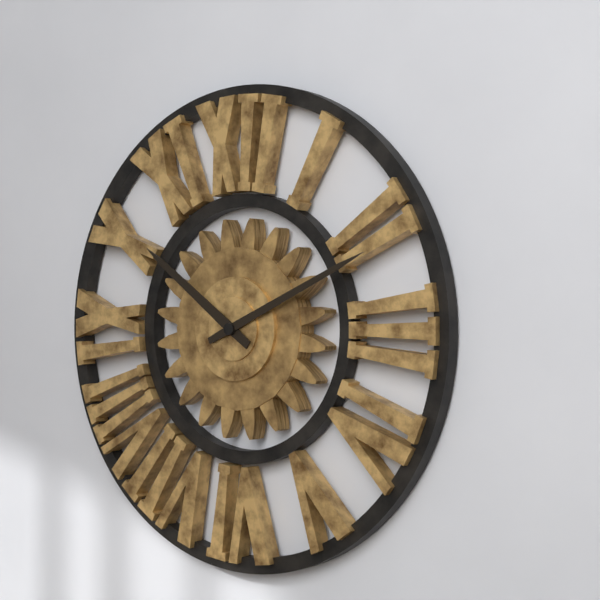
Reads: 10h11
